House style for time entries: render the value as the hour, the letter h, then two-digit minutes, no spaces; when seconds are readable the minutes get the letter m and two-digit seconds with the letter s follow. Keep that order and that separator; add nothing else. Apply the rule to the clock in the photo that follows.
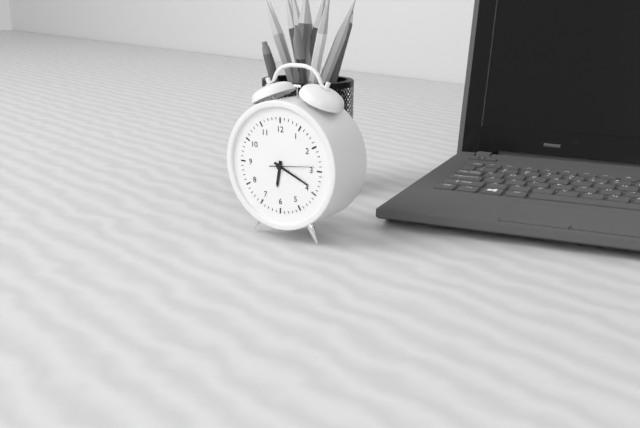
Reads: 6h19
